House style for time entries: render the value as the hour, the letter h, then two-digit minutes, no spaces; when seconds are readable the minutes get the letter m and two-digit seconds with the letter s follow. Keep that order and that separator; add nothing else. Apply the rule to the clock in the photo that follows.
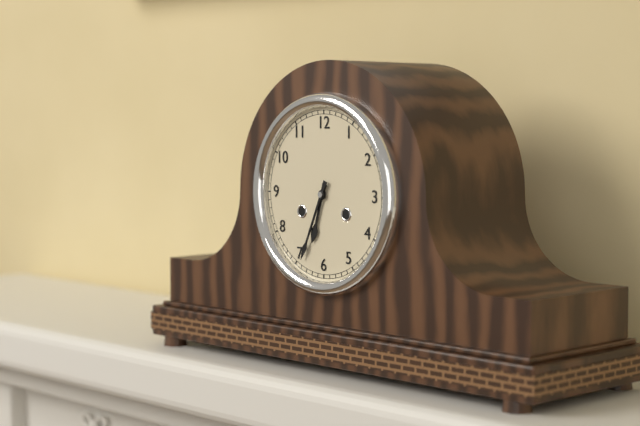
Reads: 6h34
